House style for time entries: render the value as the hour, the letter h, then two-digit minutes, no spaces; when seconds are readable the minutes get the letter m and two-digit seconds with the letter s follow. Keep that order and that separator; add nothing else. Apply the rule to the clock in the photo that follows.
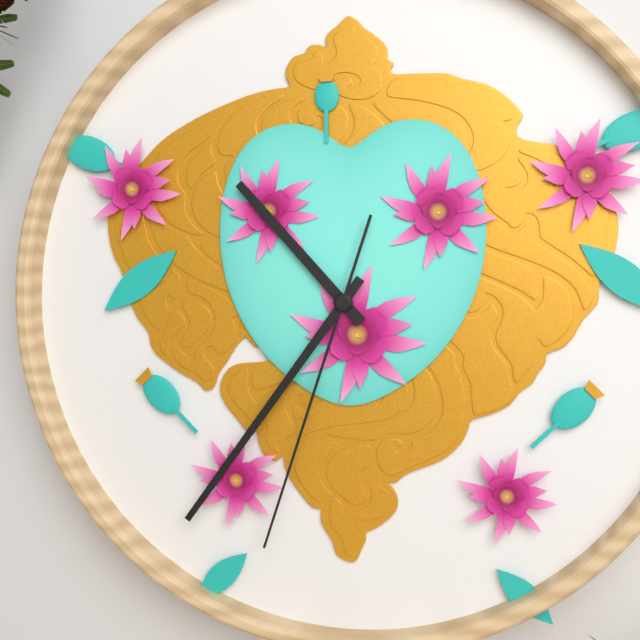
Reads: 10h36m33s
